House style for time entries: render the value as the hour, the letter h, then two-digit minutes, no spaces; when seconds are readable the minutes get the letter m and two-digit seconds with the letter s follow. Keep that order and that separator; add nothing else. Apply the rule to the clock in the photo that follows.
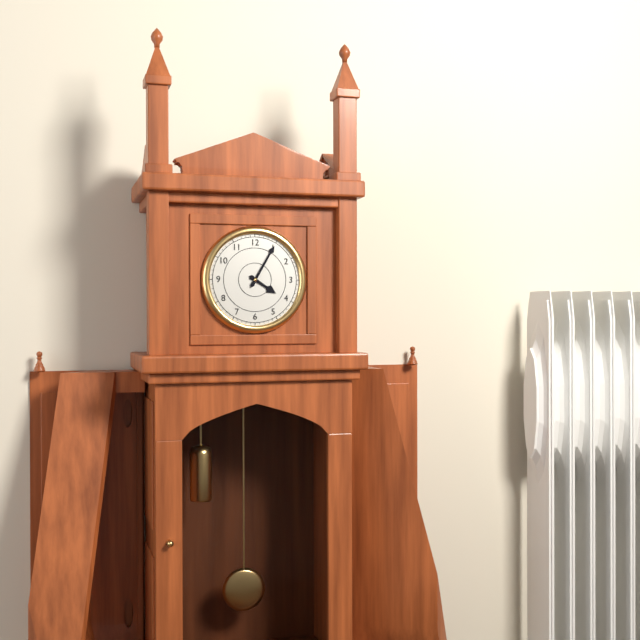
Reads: 4h05
